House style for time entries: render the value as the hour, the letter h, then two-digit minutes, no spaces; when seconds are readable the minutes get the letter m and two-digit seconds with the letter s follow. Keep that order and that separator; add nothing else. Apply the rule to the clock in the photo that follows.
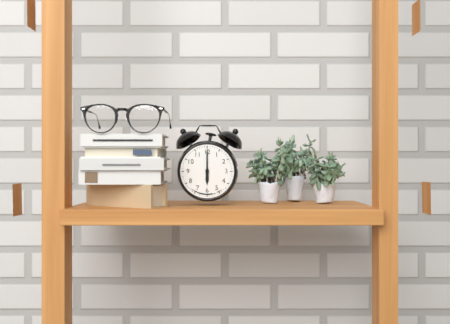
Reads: 6h00
